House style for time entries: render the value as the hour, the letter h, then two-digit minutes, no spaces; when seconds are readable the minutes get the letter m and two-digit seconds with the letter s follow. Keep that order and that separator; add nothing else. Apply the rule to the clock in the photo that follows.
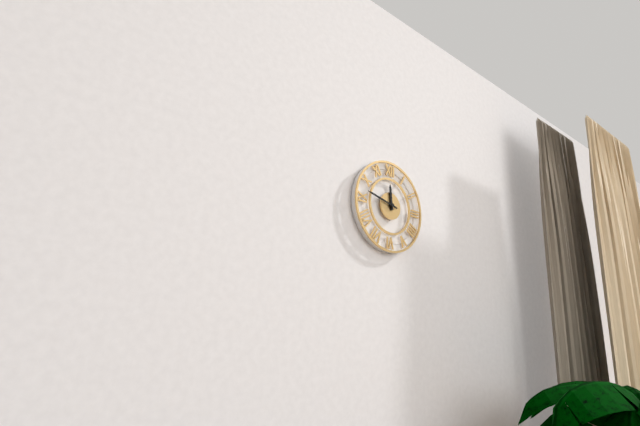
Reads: 11h47
